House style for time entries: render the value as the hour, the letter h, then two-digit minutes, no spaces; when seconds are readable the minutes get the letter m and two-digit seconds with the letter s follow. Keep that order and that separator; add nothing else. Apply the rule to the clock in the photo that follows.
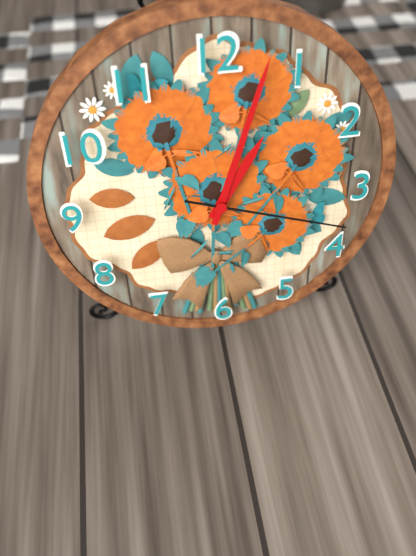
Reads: 1h03m18s
